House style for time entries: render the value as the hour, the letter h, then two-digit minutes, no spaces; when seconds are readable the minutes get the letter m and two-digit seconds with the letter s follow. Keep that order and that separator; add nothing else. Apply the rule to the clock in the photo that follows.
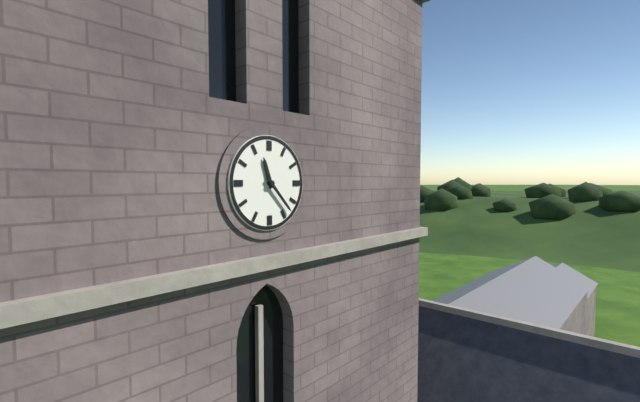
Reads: 11h23
